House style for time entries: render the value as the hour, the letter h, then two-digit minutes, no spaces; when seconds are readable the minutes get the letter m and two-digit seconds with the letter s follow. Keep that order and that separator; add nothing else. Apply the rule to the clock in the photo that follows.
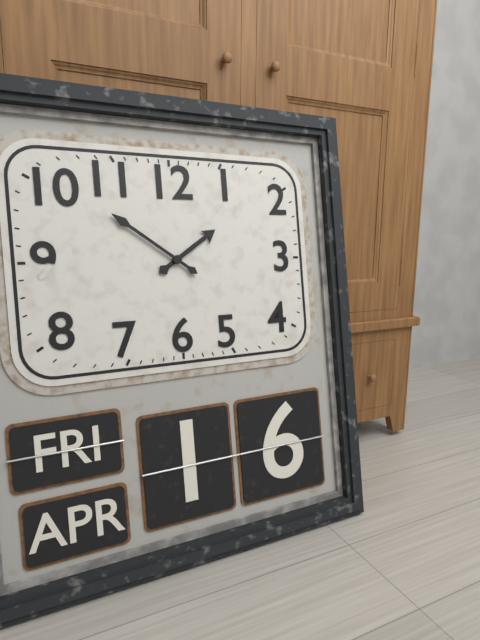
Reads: 1h51
